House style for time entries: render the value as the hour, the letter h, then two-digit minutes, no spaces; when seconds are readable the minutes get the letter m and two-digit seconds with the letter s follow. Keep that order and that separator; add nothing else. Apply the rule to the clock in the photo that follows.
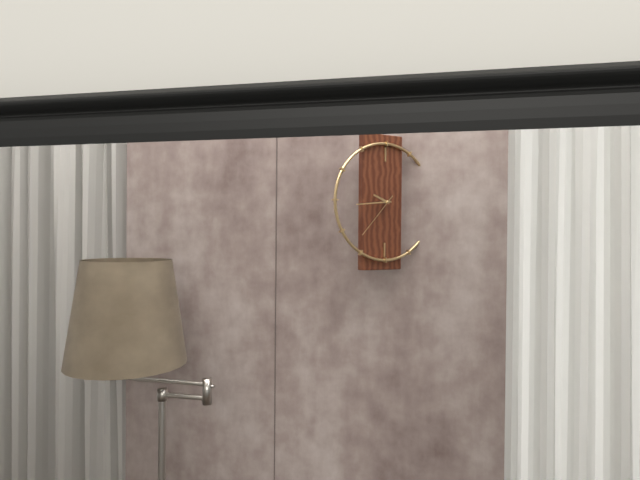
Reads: 9h44
